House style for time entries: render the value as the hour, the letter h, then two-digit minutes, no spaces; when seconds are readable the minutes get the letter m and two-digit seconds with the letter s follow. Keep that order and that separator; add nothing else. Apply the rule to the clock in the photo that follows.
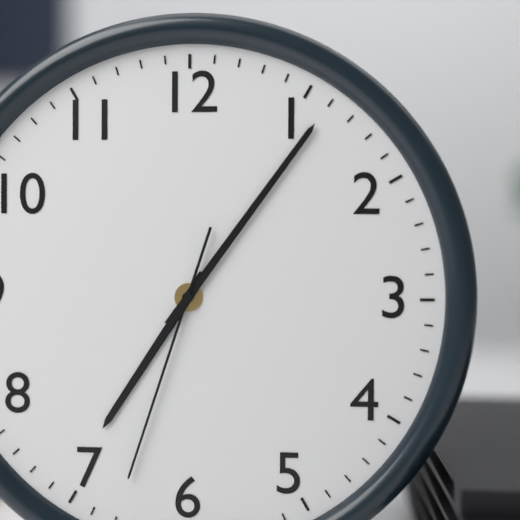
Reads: 7h06m33s
